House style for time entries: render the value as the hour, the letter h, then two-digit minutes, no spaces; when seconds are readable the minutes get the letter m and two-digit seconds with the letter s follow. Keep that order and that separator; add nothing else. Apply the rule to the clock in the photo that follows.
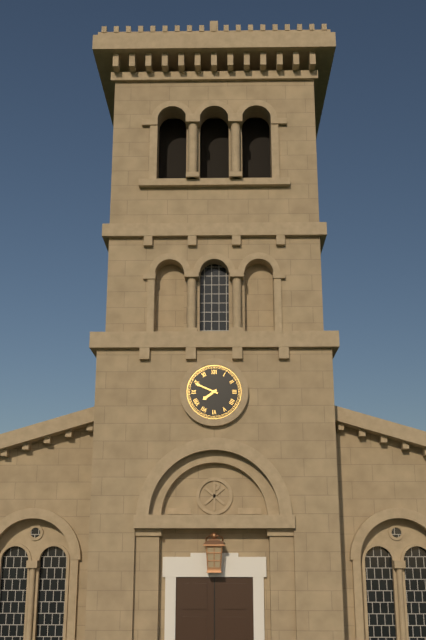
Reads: 7h49
